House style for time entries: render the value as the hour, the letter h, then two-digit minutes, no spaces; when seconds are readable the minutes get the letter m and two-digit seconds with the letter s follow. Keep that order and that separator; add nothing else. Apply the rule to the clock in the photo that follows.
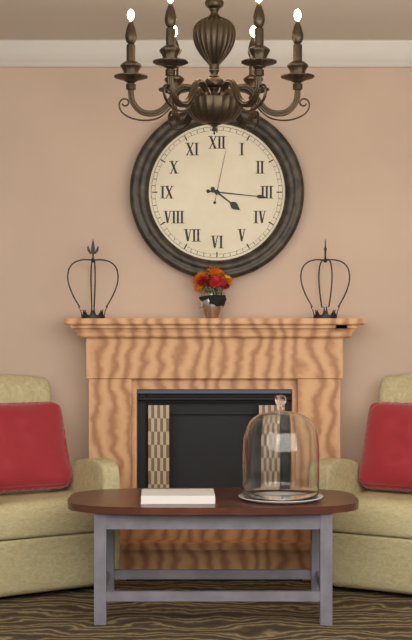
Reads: 4h16m02s
